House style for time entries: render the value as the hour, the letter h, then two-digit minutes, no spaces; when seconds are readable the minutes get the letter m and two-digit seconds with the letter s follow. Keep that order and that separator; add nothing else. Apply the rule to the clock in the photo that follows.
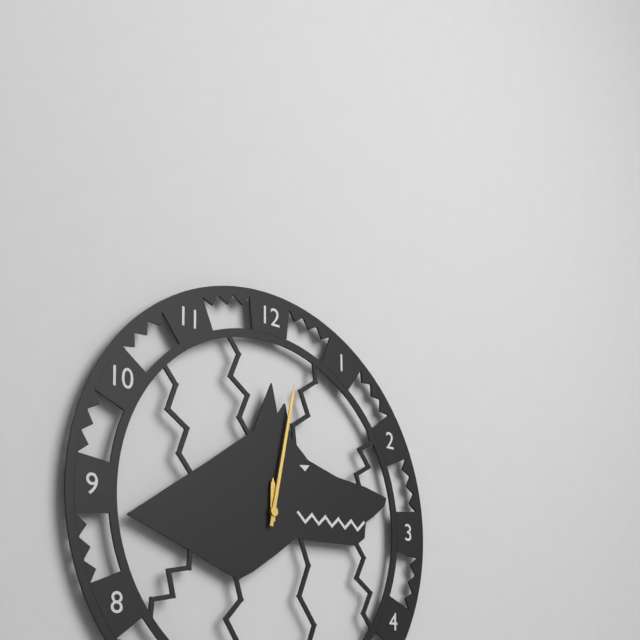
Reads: 12h02
